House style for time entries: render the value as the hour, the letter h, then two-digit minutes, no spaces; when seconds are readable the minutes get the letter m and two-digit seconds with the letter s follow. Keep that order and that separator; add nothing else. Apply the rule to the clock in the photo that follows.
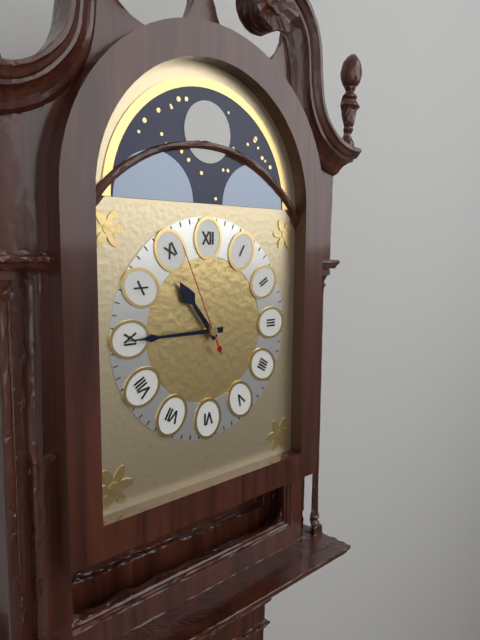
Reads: 10h45m56s
